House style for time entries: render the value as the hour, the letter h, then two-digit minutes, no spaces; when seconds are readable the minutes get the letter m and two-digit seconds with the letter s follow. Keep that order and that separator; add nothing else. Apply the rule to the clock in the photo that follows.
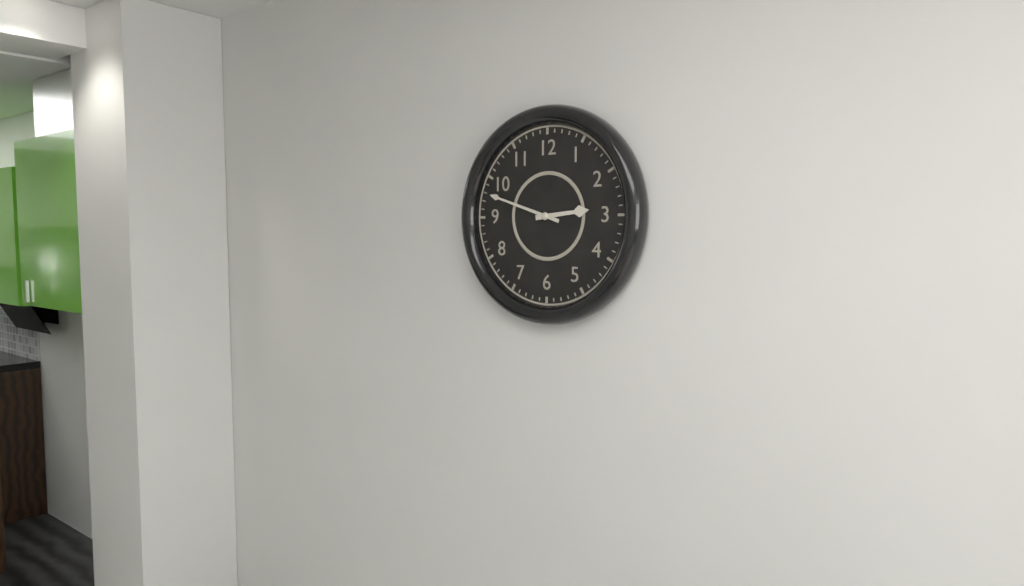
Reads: 2h48
